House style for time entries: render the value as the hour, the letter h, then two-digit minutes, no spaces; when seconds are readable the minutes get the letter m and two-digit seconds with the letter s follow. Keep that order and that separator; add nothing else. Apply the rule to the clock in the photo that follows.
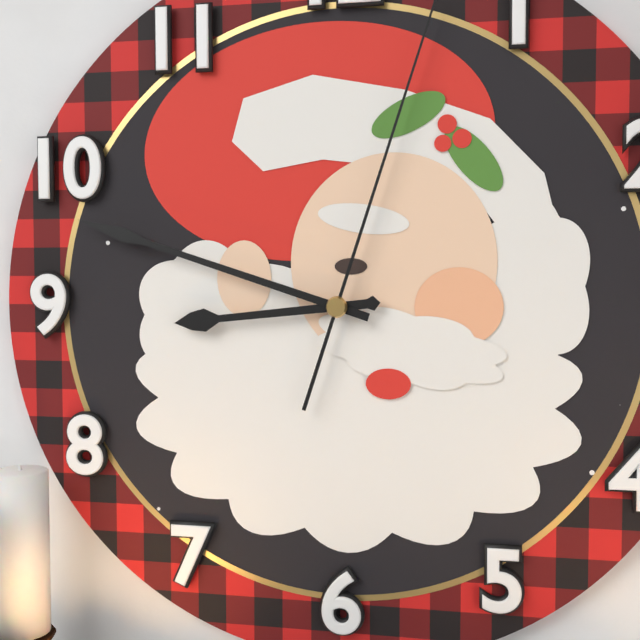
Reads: 8h48
